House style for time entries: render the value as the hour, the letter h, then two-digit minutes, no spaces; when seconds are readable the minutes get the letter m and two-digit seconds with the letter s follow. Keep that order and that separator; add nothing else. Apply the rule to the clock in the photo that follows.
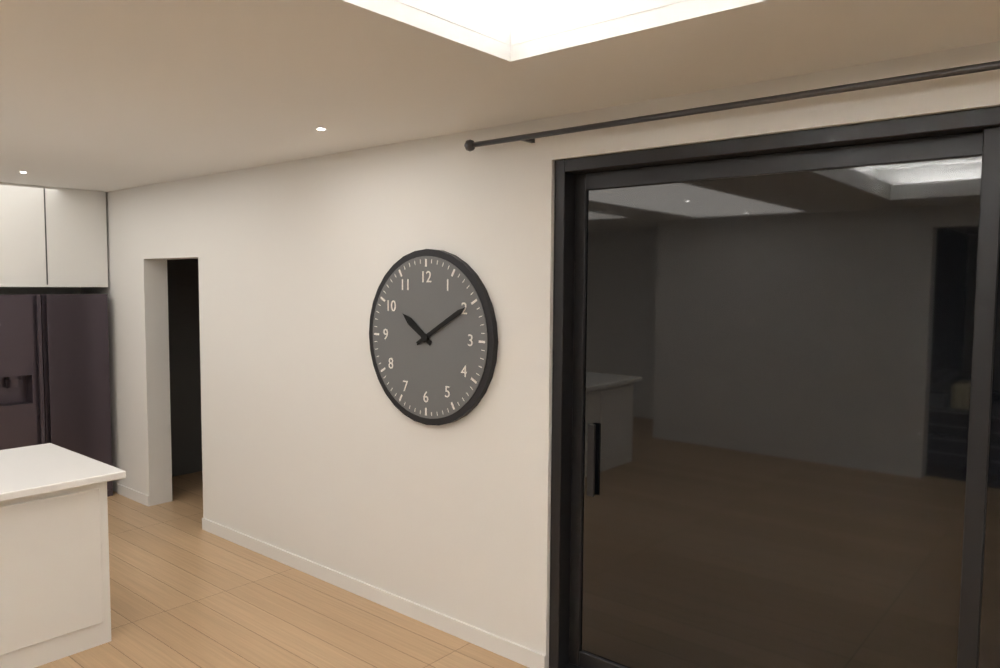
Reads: 10h10
